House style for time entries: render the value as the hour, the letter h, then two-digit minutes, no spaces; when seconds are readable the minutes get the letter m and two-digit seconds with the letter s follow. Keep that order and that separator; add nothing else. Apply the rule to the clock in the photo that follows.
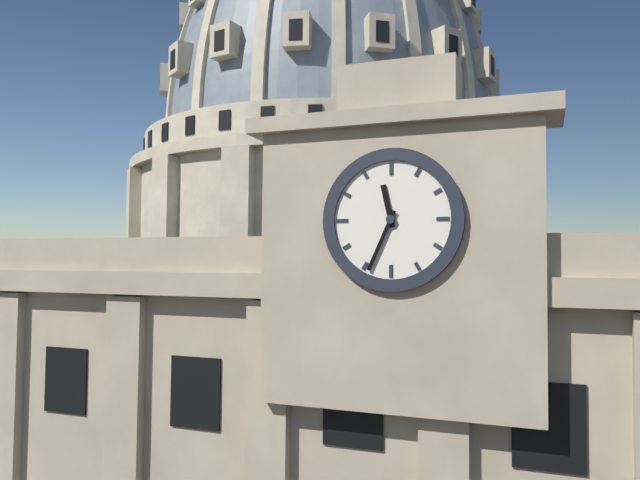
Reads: 11h34
